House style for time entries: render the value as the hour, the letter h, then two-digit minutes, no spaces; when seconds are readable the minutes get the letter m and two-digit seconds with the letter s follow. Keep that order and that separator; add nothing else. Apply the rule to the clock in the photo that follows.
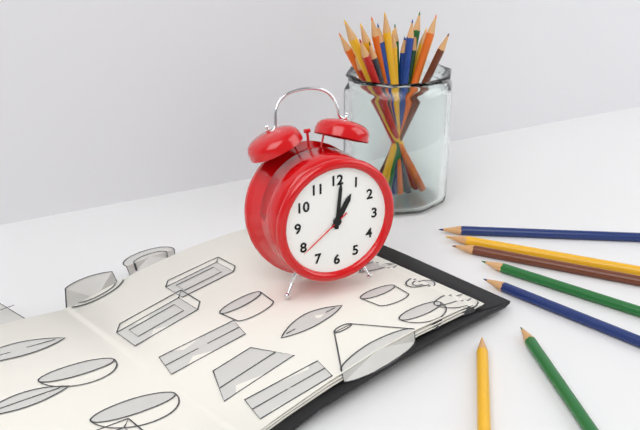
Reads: 1h01m39s
